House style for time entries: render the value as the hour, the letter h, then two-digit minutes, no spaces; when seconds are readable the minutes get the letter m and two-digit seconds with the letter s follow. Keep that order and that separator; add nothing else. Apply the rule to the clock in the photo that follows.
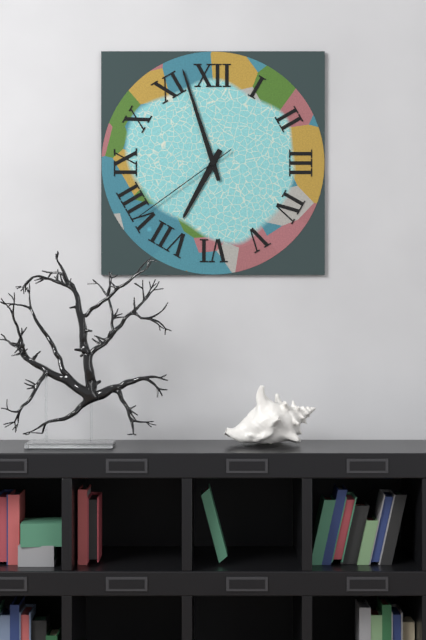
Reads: 6h57m39s
